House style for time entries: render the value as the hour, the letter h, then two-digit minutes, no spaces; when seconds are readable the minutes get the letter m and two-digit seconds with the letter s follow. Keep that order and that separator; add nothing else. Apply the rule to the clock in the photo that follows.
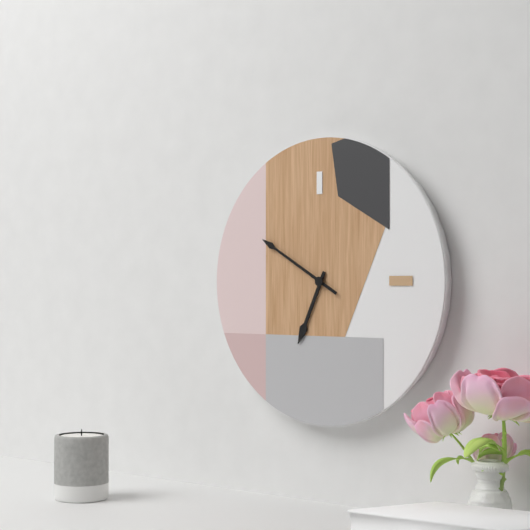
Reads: 6h50
